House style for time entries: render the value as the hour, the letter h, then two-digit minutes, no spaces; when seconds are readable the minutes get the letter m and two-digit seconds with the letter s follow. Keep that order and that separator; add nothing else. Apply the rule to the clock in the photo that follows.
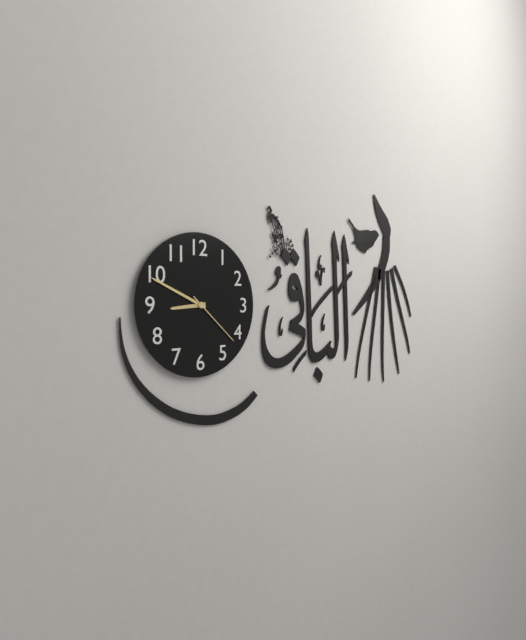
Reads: 8h49m22s
